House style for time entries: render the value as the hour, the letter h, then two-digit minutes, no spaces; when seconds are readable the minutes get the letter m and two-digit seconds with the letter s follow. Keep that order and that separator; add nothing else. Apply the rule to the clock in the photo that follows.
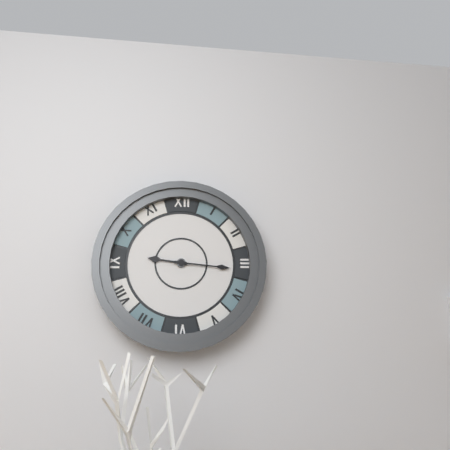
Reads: 9h16
